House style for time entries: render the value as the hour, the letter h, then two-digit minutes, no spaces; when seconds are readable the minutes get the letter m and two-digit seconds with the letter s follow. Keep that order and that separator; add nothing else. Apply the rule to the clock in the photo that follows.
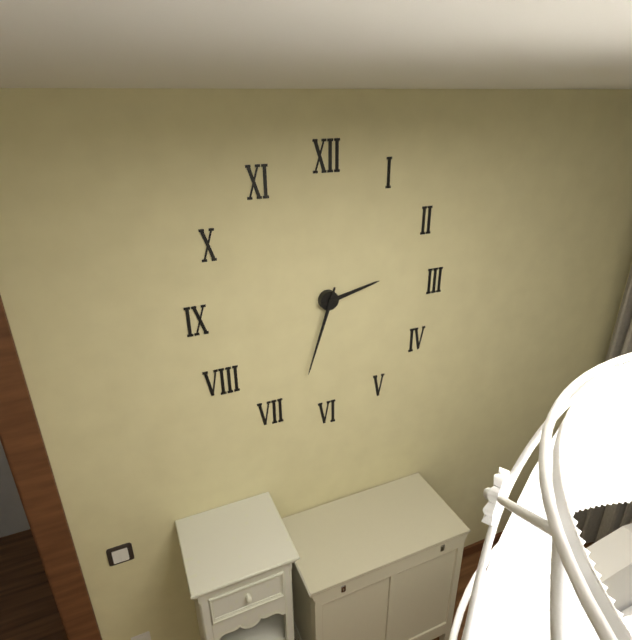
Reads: 2h33
